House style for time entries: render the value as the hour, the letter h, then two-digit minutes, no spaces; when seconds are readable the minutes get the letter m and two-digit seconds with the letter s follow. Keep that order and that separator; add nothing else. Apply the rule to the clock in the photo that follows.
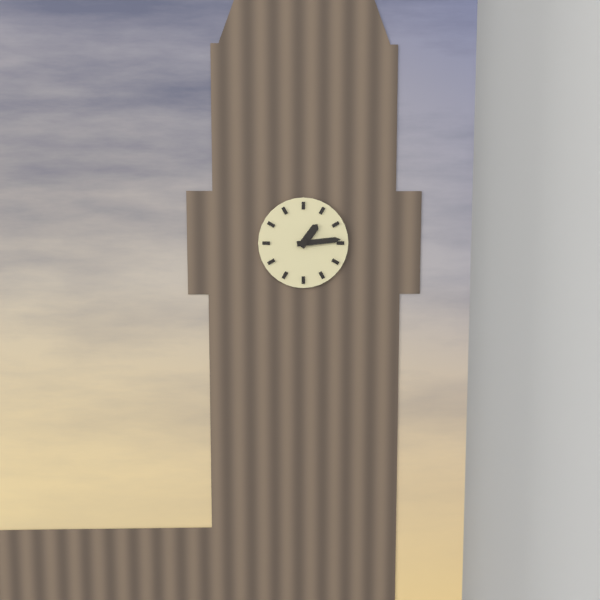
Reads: 1h14
